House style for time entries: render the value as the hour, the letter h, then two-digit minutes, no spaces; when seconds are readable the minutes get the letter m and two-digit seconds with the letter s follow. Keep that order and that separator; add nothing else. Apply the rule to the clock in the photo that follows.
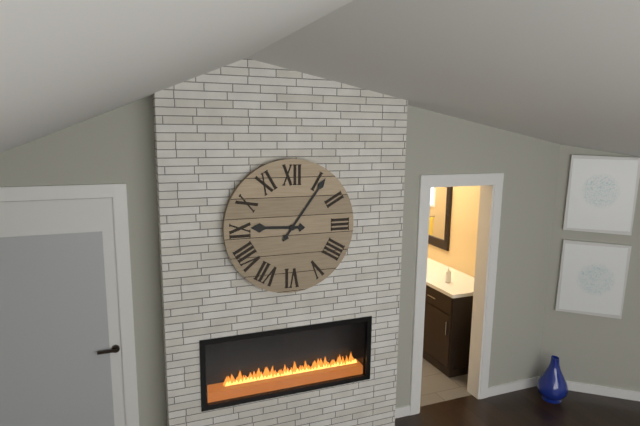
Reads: 9h06
